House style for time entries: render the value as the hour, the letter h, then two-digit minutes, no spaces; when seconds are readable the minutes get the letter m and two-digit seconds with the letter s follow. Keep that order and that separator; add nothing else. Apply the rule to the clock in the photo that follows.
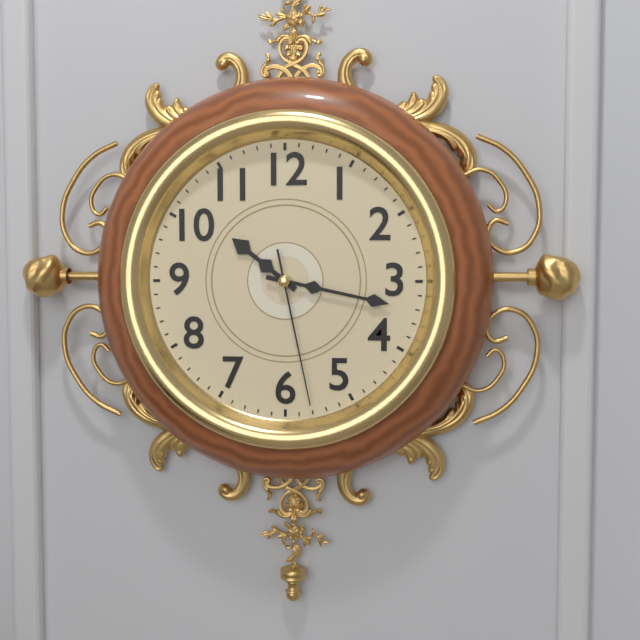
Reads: 10h17m28s
